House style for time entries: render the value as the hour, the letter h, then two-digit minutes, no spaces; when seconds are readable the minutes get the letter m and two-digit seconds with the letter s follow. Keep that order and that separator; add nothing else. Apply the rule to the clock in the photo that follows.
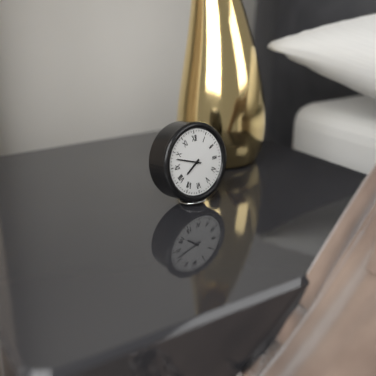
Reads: 7h48
